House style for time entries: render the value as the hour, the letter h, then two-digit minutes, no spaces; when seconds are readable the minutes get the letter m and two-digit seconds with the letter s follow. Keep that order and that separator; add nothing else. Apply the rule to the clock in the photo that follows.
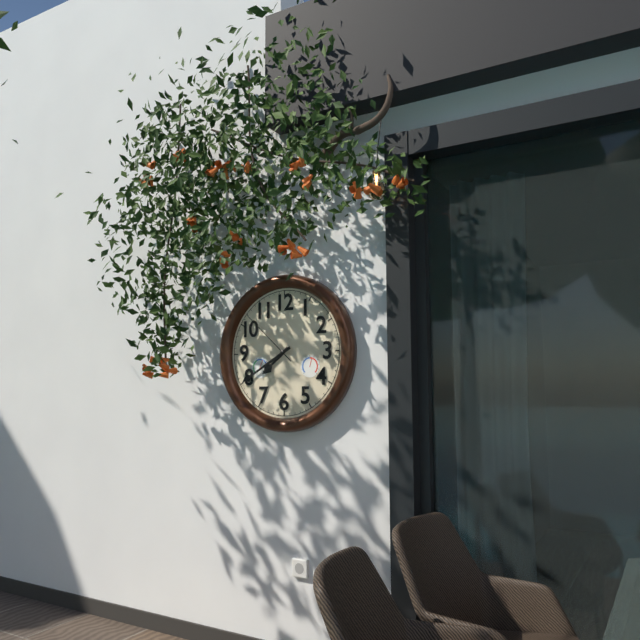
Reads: 7h40m52s
